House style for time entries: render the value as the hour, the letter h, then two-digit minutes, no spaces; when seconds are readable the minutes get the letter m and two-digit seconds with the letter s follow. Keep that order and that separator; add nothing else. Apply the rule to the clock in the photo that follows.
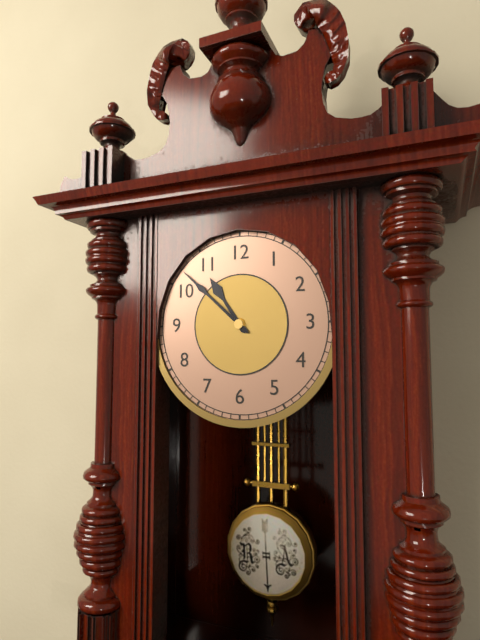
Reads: 10h52
